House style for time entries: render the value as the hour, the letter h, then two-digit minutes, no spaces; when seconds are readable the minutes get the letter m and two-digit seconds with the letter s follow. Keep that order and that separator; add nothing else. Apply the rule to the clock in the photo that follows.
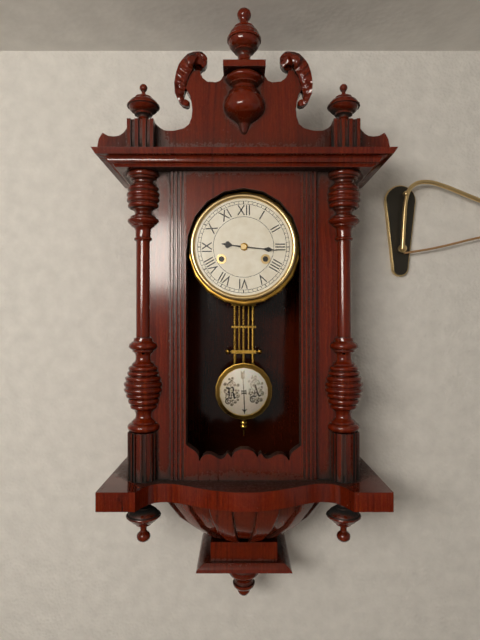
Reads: 9h16
